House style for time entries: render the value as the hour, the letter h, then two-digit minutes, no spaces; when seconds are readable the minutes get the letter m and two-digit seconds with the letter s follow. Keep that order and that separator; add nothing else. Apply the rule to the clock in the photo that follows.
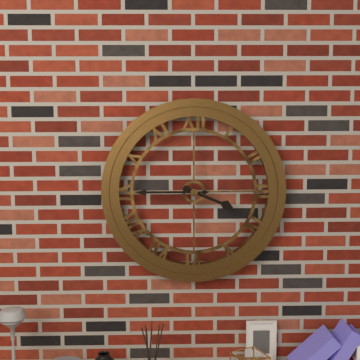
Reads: 3h45
